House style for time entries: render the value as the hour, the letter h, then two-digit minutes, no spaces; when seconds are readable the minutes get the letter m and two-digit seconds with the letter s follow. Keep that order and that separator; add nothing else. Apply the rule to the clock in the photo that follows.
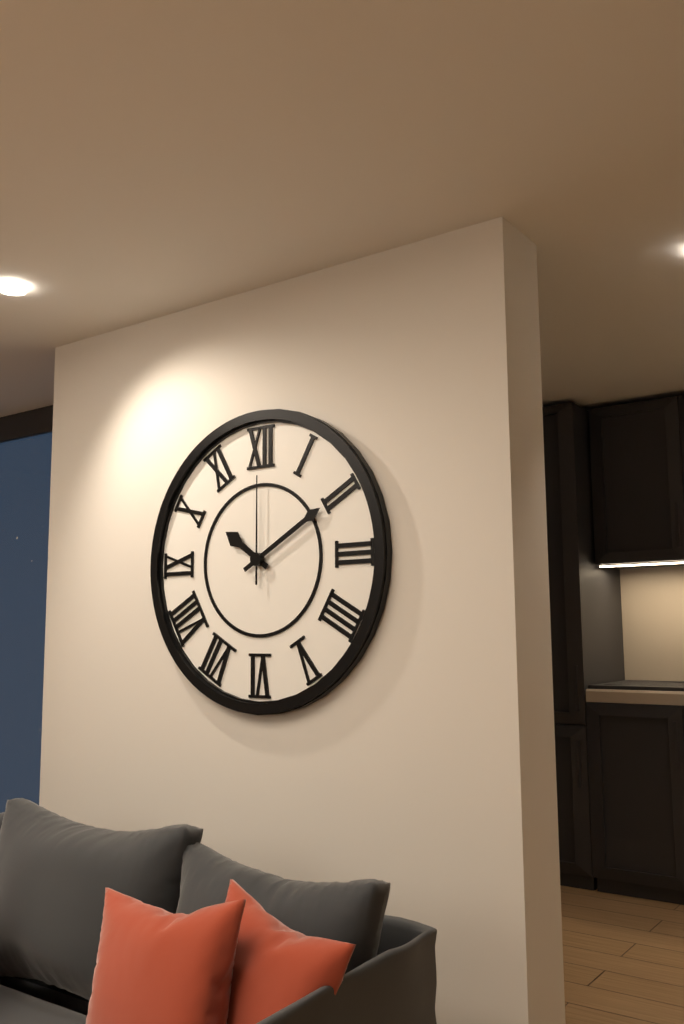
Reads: 10h10m00s
